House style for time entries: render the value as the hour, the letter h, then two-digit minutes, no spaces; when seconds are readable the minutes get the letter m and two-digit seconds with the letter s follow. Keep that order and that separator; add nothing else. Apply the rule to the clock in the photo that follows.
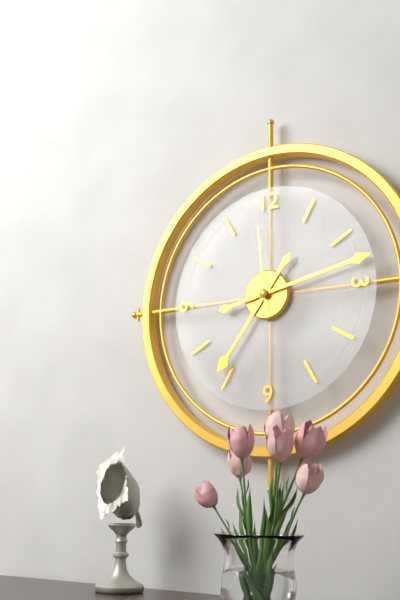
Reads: 7h13m59s
